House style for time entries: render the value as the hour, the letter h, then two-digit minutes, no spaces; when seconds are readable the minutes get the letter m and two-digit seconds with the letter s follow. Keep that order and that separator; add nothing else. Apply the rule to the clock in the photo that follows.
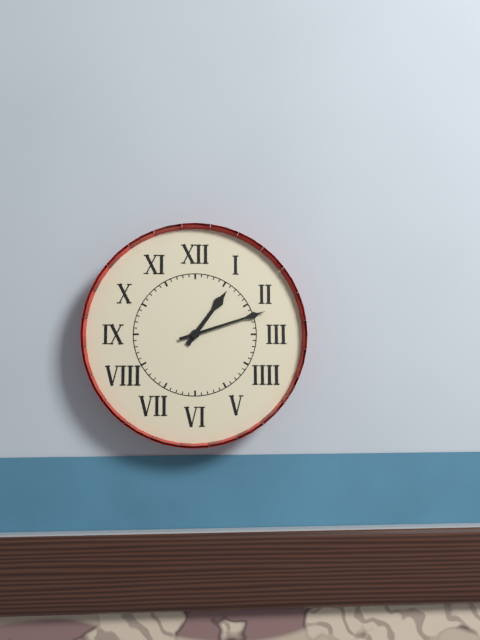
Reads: 1h12
